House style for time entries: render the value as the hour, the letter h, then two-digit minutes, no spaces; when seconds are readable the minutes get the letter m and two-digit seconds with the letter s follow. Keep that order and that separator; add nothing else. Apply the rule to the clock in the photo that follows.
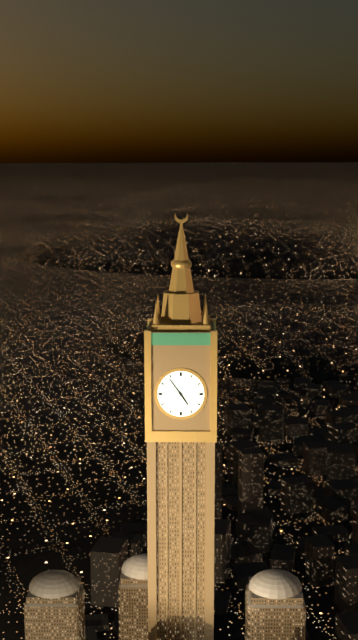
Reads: 4h54
